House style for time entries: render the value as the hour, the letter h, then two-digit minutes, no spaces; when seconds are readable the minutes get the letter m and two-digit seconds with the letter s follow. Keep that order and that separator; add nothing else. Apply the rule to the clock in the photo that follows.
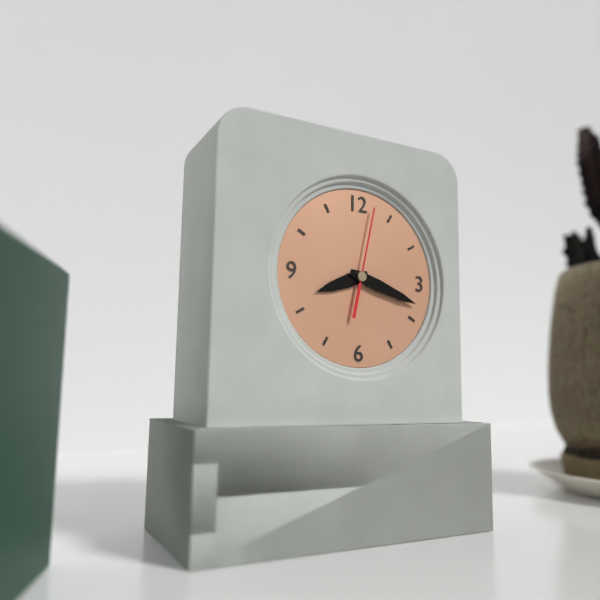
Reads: 8h18m02s
